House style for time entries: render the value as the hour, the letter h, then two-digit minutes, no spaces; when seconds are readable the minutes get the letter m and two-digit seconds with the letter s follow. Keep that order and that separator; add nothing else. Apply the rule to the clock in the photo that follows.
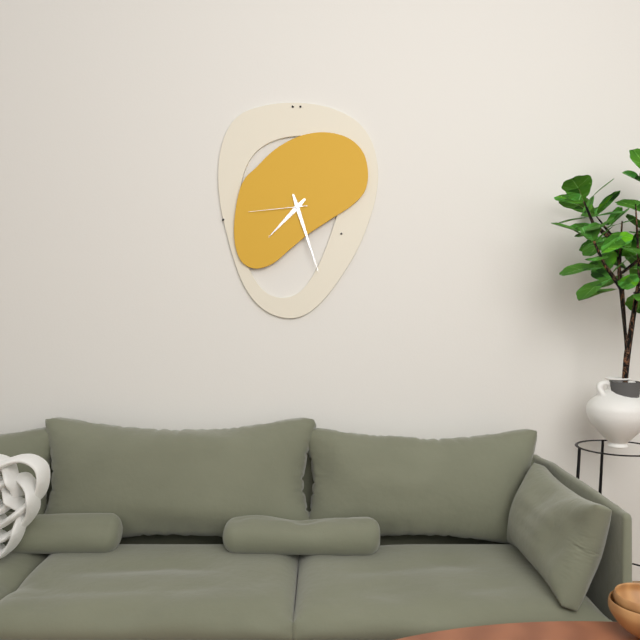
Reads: 7h27m44s
